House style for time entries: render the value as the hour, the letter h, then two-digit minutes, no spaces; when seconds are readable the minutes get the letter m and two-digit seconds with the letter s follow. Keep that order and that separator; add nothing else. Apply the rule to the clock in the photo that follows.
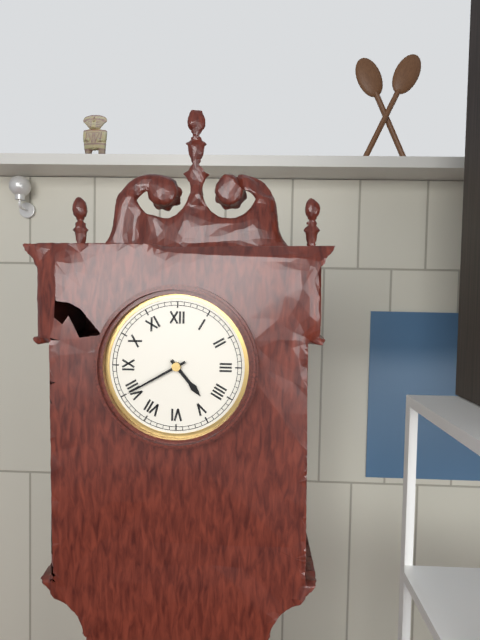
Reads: 4h40
